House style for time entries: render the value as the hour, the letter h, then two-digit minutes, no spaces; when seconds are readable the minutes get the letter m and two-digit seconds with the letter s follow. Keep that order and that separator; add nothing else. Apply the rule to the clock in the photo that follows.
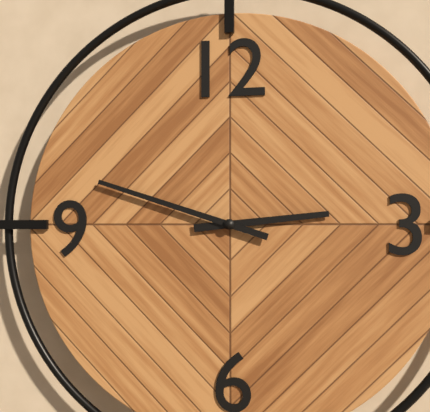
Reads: 2h48
